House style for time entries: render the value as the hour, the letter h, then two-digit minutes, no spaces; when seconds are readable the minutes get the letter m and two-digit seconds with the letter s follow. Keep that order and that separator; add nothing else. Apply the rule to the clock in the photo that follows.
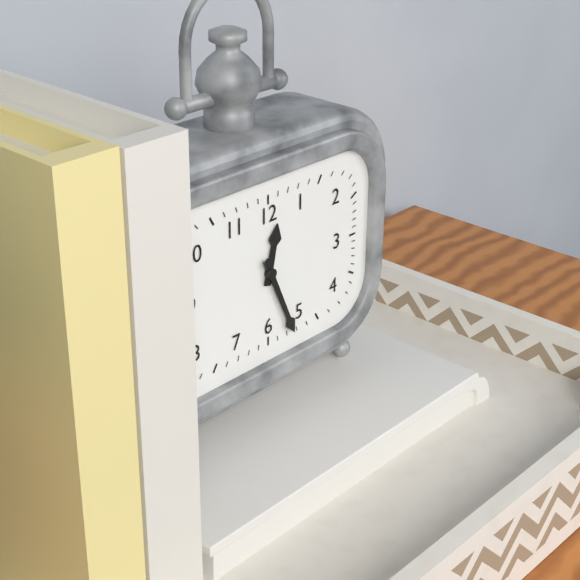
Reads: 12h26
